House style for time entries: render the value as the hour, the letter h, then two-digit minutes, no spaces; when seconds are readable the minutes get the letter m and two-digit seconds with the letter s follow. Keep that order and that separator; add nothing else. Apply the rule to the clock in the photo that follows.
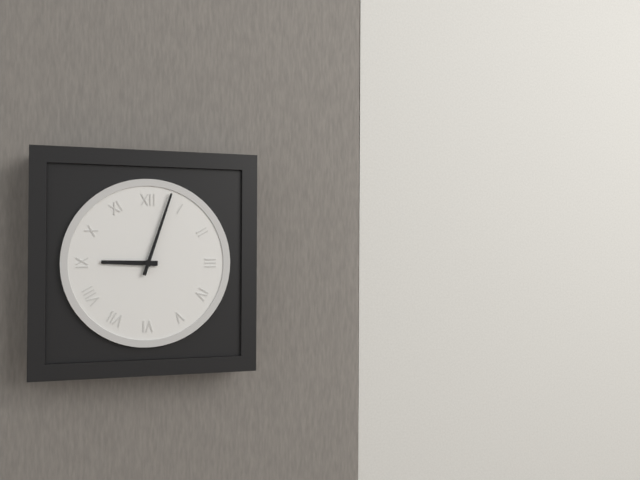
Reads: 9h03
